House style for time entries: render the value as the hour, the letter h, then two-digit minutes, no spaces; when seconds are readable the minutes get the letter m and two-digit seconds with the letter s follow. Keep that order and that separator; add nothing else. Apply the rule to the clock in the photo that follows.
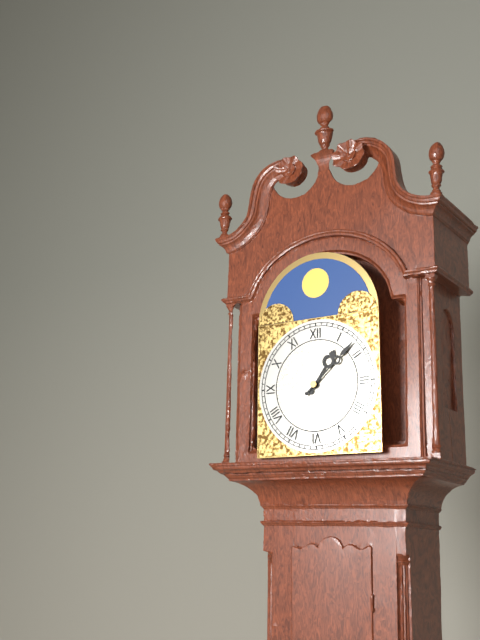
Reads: 1h08
